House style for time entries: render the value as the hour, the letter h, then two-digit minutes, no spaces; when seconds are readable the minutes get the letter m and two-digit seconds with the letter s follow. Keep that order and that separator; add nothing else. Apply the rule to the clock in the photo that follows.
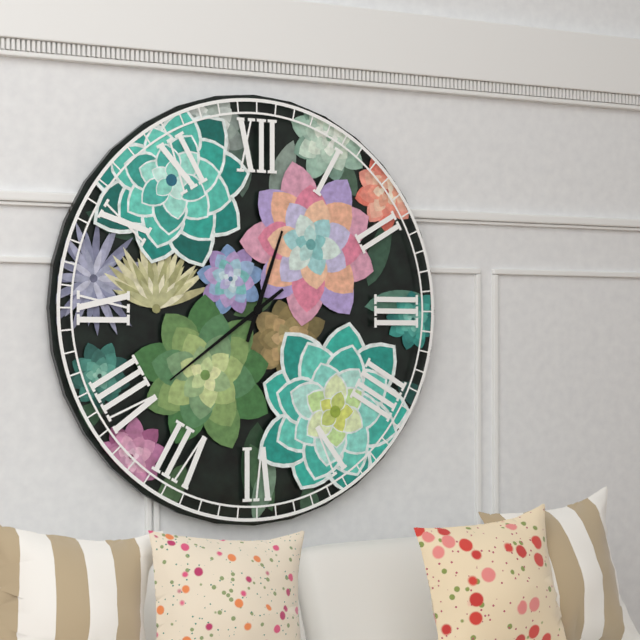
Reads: 12h39
